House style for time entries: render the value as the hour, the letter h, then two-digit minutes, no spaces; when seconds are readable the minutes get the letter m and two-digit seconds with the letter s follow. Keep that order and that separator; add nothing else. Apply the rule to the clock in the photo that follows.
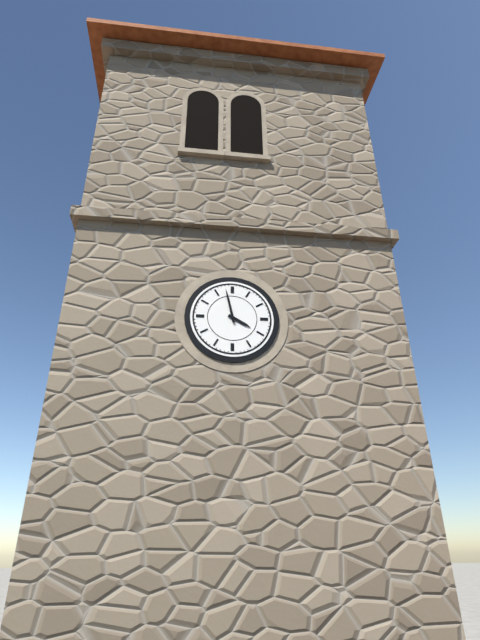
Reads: 3h58
